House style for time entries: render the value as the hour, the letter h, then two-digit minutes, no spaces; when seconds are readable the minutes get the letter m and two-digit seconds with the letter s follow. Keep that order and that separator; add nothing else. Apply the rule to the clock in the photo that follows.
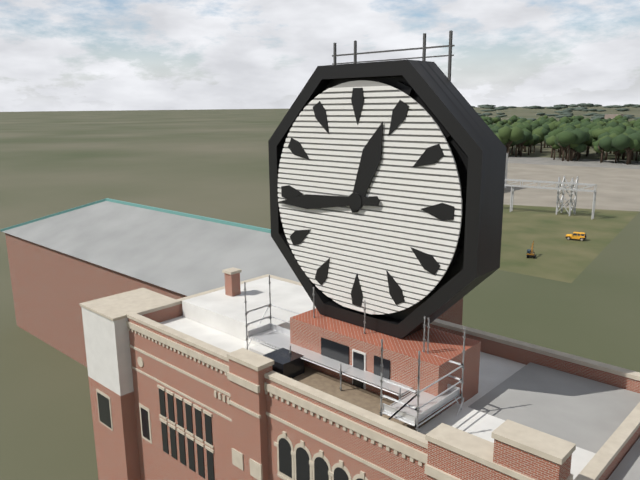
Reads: 12h44
